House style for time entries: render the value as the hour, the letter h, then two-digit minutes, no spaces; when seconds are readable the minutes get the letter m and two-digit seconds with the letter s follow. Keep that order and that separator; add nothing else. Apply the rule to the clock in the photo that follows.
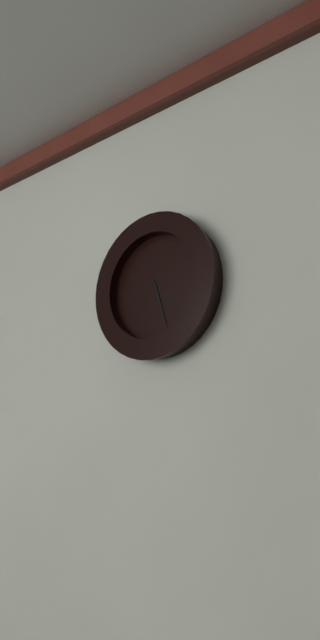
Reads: 4h27
